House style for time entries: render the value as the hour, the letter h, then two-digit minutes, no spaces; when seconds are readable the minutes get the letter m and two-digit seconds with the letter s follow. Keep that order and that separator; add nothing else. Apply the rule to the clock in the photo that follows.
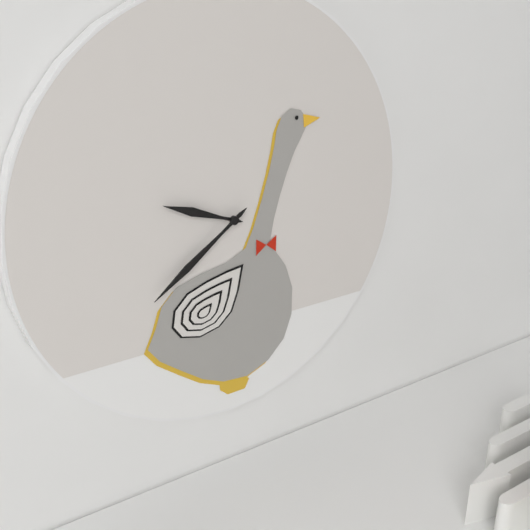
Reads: 9h39
